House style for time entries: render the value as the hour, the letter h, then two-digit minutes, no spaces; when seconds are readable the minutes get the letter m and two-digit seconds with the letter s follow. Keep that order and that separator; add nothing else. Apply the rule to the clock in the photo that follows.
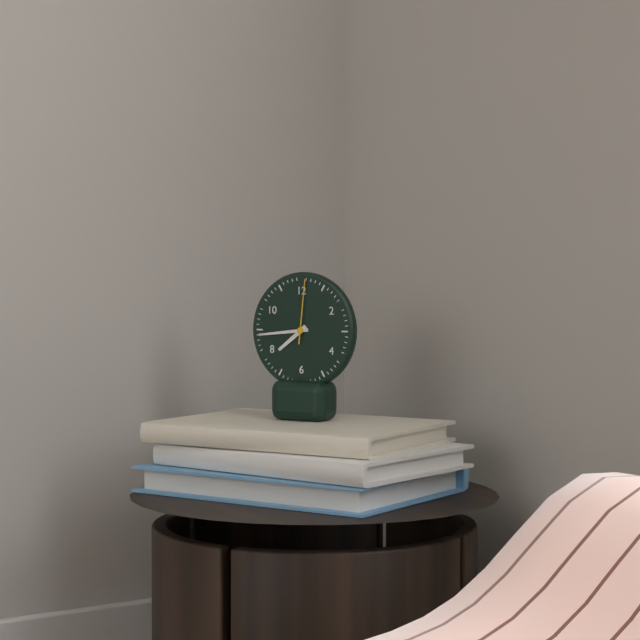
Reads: 7h44m01s
